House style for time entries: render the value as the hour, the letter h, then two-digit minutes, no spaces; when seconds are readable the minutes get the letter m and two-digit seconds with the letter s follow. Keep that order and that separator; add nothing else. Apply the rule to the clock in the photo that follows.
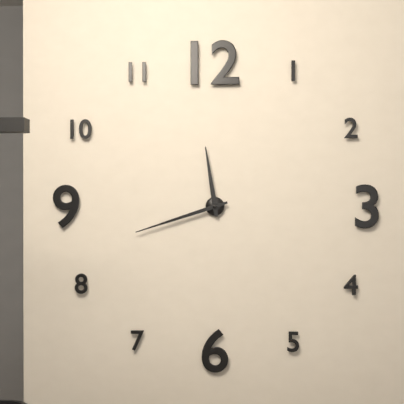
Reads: 11h42
